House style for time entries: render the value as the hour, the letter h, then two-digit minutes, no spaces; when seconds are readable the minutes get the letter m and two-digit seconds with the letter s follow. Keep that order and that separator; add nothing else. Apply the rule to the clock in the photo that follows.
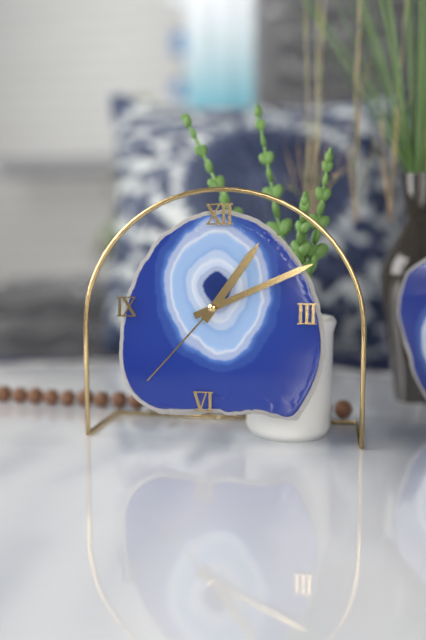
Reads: 1h11m37s
